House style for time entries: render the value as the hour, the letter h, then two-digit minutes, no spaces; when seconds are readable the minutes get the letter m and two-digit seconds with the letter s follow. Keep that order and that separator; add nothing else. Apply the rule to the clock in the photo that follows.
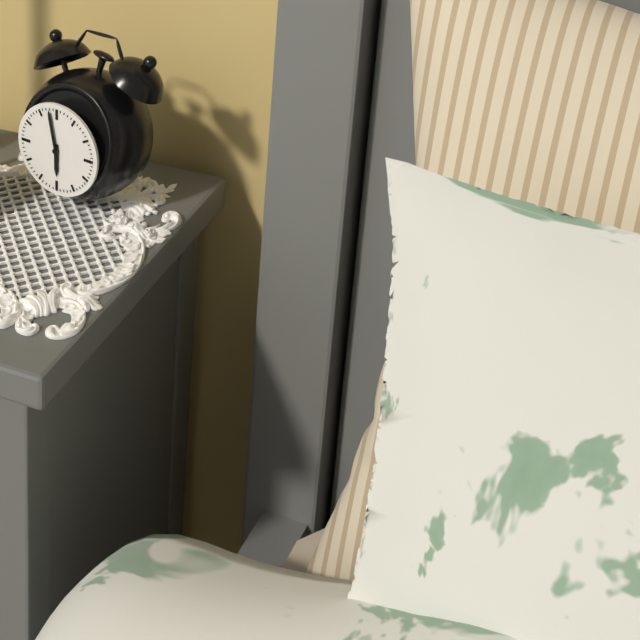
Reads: 5h58
